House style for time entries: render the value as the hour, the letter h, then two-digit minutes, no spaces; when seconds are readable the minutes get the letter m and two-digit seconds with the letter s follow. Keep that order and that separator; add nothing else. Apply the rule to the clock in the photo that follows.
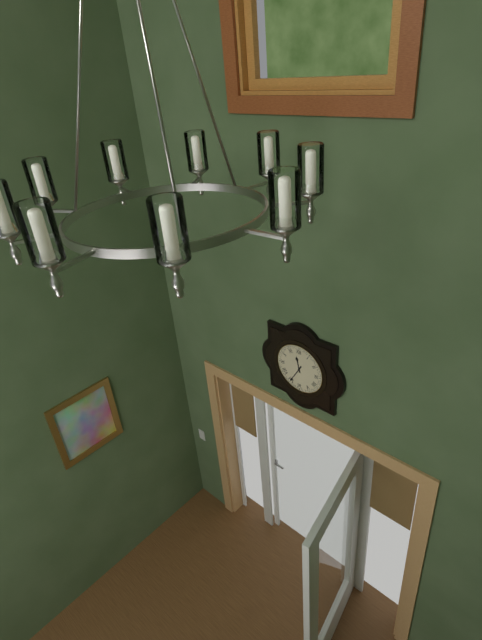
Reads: 11h35
